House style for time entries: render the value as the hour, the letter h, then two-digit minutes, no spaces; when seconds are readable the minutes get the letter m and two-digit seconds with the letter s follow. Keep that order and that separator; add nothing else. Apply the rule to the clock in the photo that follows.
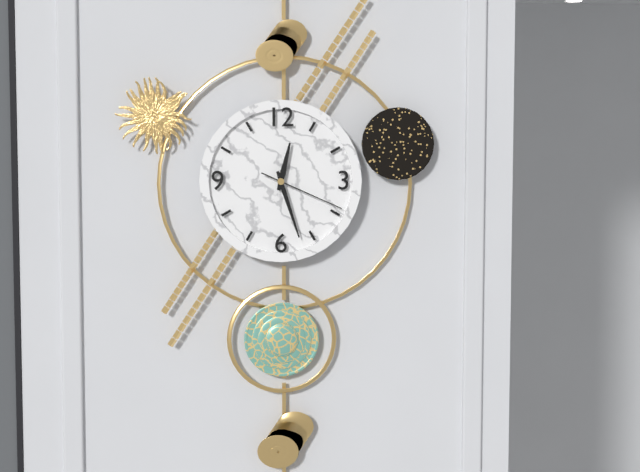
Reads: 12h27m19s
